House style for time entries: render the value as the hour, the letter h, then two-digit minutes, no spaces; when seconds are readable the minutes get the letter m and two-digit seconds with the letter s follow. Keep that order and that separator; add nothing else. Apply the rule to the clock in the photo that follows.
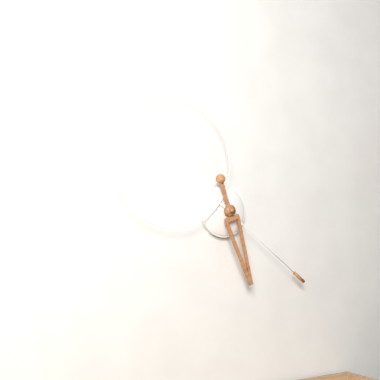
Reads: 5h21
